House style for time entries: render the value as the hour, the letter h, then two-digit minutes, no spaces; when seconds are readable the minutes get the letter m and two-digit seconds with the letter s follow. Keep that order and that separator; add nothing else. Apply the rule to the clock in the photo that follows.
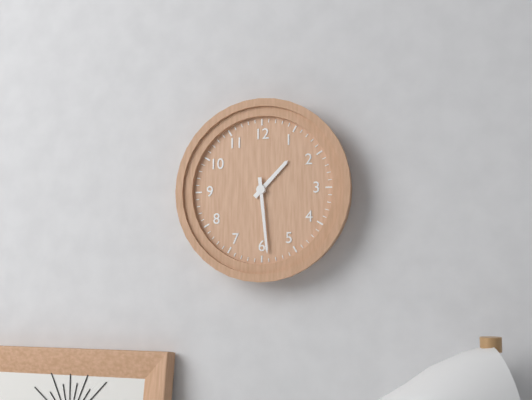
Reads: 1h29
